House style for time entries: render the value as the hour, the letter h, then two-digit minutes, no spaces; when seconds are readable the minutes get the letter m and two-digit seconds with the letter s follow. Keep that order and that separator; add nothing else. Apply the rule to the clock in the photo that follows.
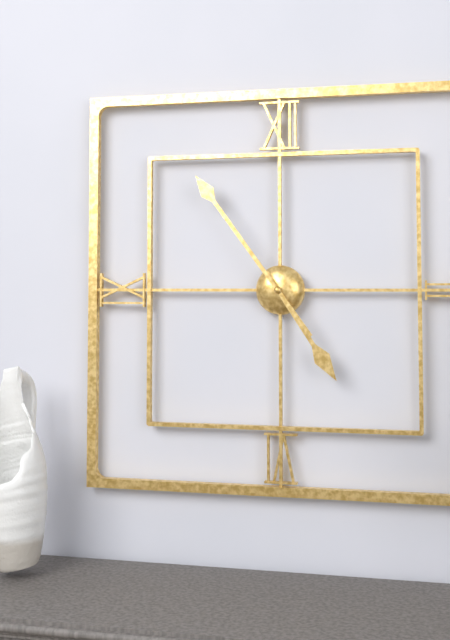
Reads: 4h54
